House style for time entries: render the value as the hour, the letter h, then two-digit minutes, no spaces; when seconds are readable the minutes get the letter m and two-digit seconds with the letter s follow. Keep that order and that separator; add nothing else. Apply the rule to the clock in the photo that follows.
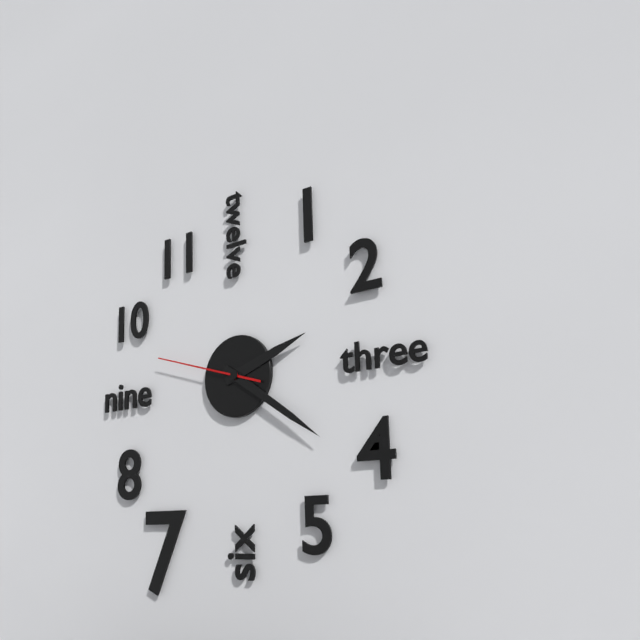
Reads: 2h21m48s
